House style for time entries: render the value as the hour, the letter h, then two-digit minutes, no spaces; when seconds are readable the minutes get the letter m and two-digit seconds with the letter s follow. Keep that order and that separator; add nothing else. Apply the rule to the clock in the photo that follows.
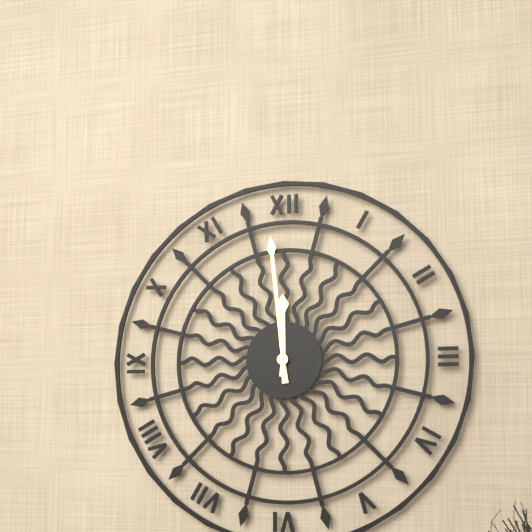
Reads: 11h59
